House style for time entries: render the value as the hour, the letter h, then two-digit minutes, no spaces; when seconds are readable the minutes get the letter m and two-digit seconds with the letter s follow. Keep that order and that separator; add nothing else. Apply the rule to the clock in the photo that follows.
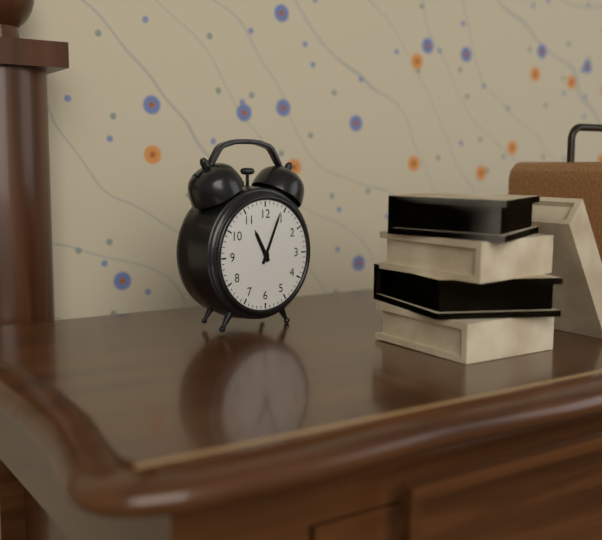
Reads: 11h04
